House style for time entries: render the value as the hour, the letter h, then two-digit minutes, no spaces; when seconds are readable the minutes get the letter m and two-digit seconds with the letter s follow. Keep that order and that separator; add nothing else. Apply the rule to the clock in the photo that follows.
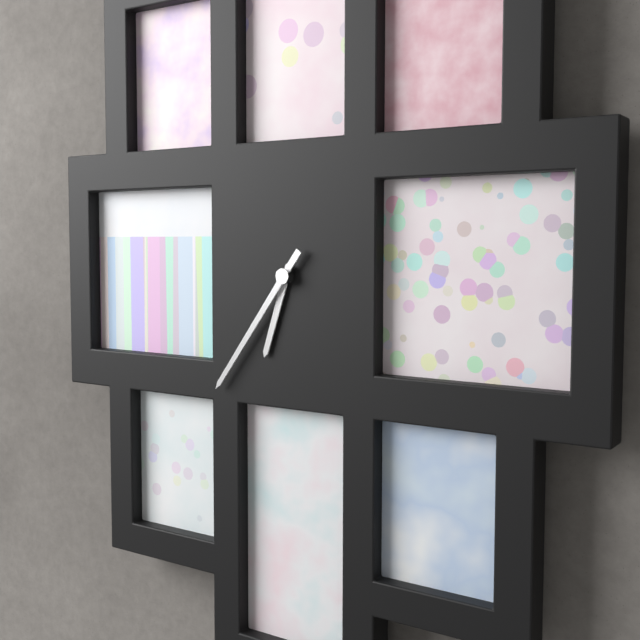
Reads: 6h36
